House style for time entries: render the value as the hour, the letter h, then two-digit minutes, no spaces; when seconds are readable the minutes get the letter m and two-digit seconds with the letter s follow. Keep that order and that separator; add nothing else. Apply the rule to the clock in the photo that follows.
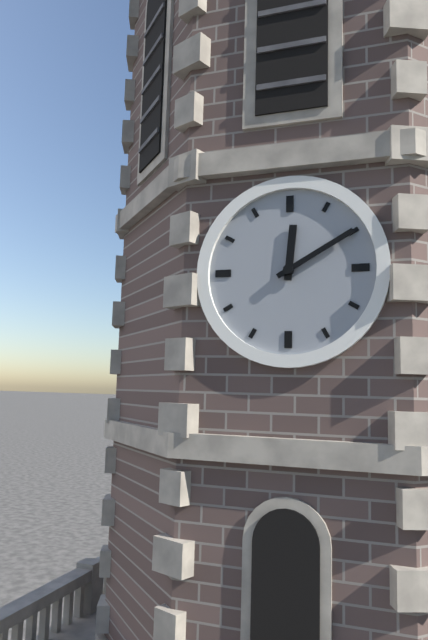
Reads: 12h10
